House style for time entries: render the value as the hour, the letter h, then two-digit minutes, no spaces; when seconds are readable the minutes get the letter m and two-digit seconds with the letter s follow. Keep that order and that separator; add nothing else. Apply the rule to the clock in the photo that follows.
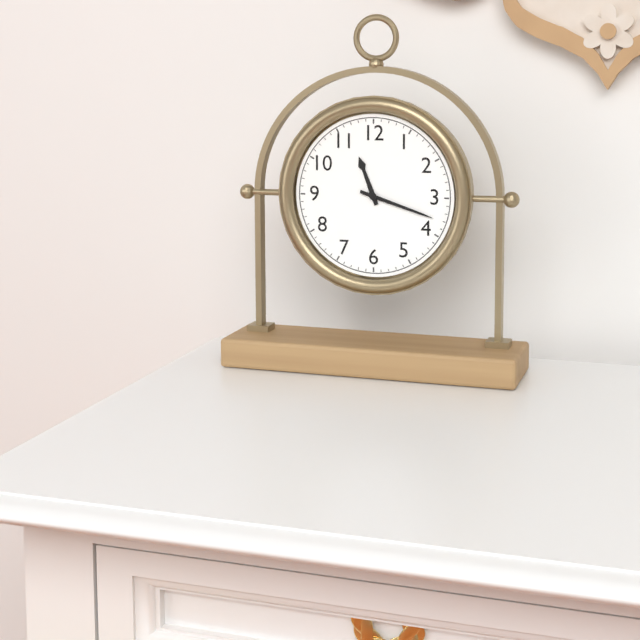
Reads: 11h18
